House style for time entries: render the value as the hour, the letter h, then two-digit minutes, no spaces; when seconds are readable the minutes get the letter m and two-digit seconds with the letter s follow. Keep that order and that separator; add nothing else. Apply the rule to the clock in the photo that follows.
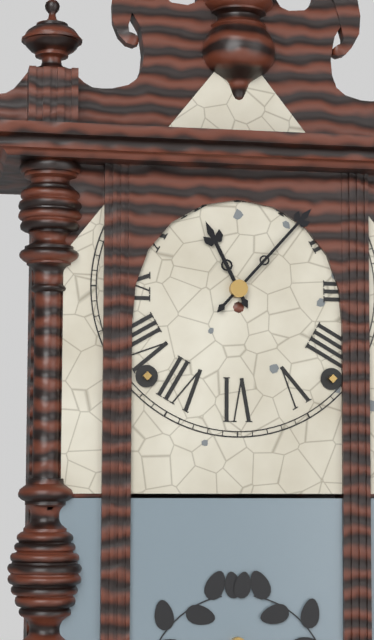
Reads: 11h07
